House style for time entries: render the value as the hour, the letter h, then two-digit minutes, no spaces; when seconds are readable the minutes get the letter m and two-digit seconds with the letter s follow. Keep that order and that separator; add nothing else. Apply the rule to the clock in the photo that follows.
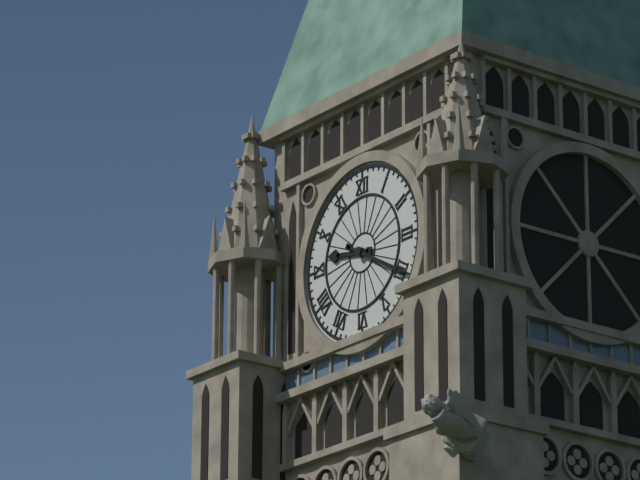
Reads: 9h20
